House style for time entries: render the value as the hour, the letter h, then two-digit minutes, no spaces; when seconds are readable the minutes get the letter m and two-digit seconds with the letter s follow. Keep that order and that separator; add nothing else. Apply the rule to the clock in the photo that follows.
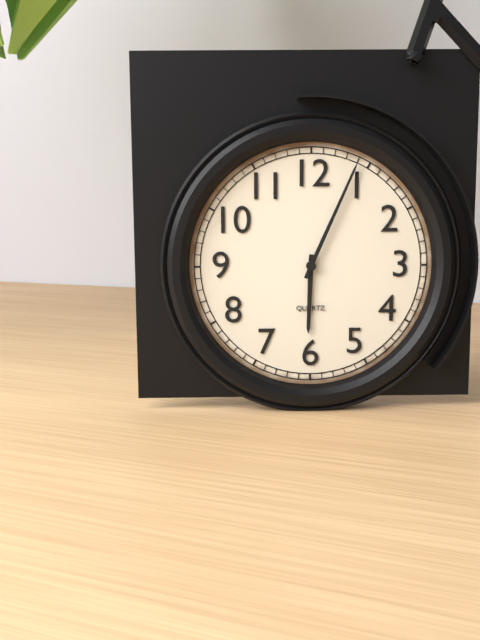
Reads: 6h04
